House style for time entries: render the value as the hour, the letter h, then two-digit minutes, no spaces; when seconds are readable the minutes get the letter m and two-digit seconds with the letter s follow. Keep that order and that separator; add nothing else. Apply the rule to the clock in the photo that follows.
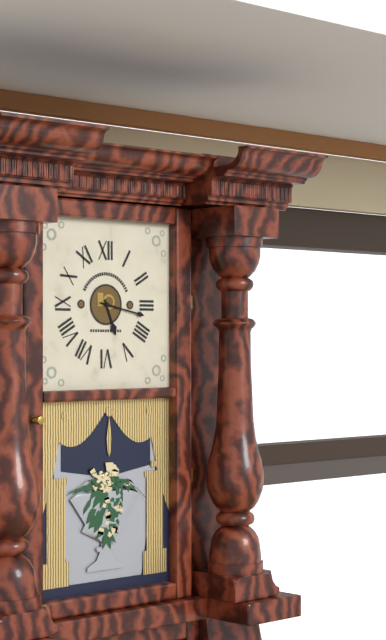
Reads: 5h17
